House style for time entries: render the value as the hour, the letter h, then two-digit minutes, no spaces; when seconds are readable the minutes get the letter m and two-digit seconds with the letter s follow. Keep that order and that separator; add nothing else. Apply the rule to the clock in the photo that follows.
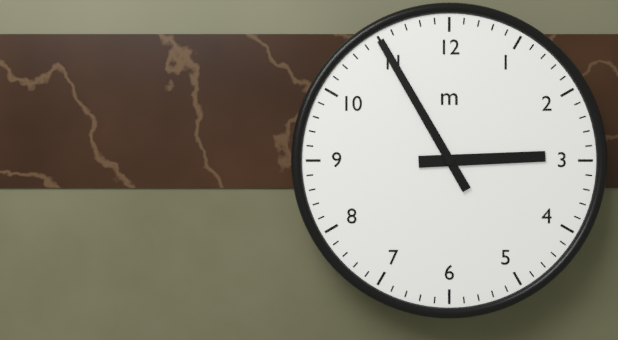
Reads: 2h55
